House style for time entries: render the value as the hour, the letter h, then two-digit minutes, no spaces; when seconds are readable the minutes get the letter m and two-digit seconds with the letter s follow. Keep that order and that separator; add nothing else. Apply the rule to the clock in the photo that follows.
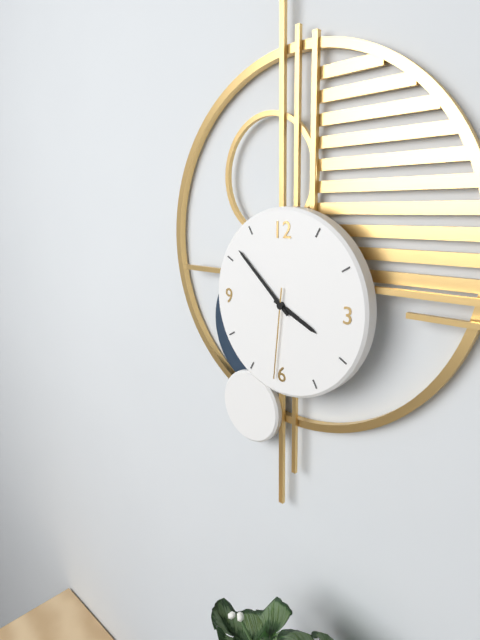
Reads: 3h52m31s
